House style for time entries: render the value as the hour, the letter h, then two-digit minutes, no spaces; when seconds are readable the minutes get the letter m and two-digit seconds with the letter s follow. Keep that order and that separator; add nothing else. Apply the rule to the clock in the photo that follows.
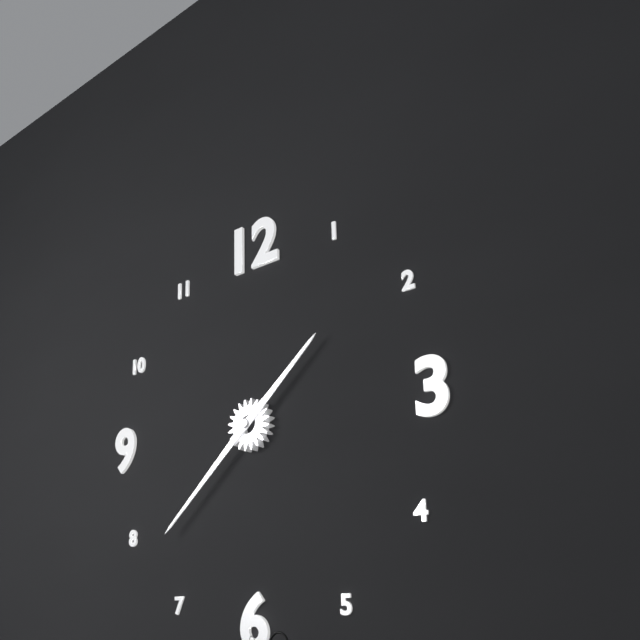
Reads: 1h38
